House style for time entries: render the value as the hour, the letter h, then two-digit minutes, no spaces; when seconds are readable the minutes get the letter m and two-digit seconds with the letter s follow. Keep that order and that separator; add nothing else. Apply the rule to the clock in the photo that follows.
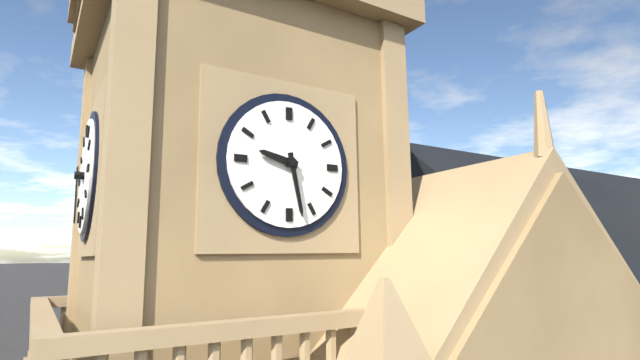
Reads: 9h28
